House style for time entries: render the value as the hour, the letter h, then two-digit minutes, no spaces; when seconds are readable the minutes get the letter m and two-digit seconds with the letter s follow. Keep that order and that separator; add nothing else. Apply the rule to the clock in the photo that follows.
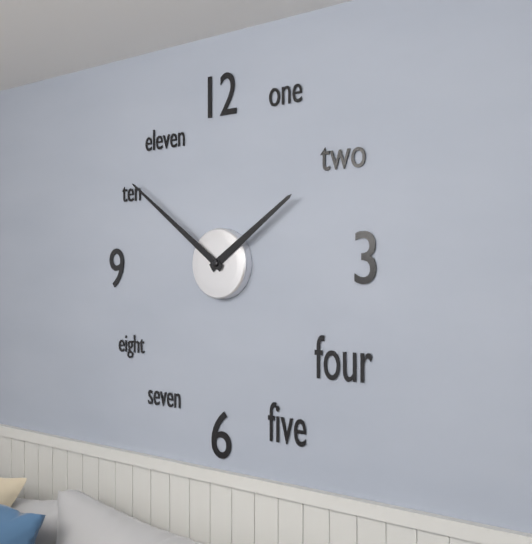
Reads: 1h51
